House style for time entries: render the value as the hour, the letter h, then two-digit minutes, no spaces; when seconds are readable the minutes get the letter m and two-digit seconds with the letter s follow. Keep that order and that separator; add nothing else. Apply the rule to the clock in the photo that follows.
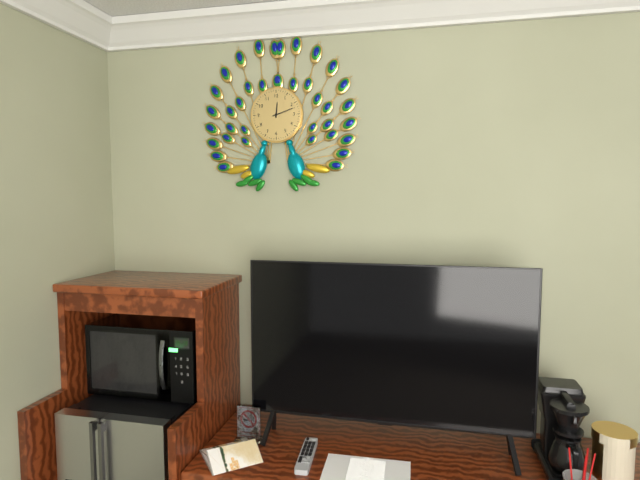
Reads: 12h12
